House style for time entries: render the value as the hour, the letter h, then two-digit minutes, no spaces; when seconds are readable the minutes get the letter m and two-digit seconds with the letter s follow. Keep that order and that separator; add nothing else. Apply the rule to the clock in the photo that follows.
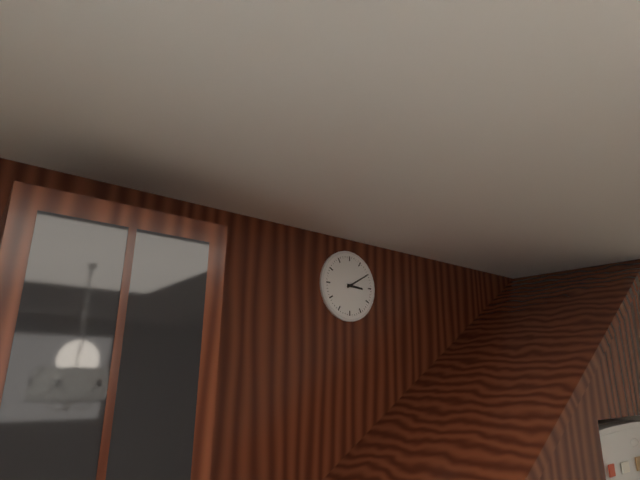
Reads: 3h10
